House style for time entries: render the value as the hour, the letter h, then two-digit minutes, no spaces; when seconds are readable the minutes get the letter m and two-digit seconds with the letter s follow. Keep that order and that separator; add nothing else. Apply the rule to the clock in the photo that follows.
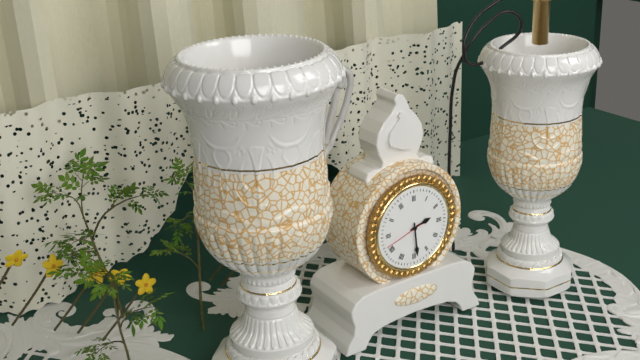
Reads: 2h29
